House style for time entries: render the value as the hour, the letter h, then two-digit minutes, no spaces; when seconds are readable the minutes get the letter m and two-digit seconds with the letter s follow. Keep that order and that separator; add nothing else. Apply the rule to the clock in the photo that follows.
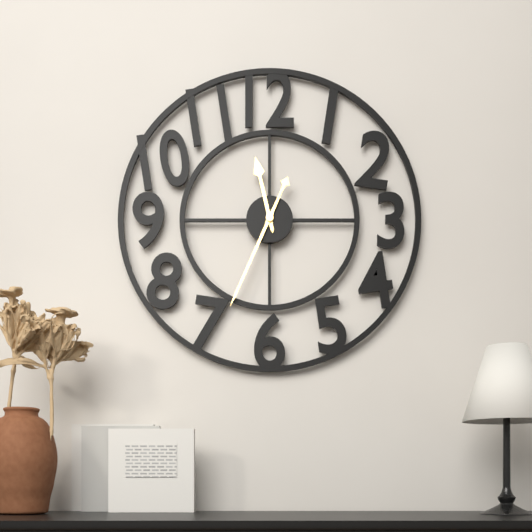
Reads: 11h34
